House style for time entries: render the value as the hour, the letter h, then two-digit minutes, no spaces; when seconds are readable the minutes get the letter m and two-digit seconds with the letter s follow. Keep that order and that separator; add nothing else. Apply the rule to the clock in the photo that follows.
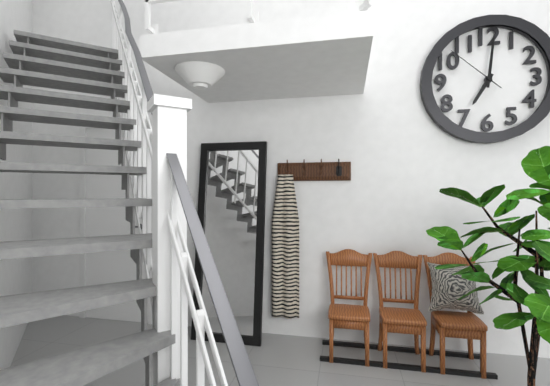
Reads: 7h01m52s
